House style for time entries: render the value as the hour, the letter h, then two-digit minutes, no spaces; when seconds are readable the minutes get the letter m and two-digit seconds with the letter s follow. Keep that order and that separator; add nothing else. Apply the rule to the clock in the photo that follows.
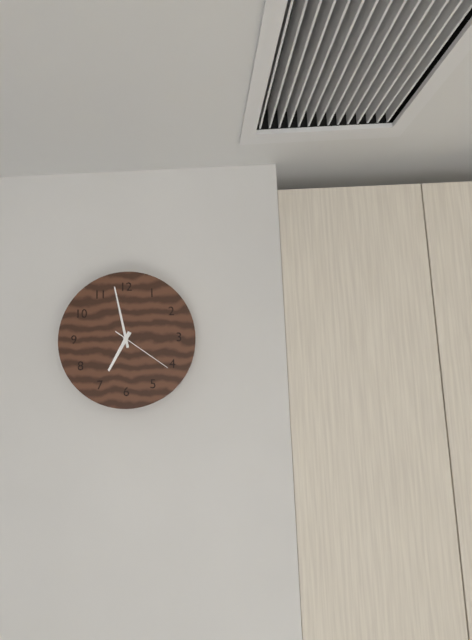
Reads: 6h58m21s
